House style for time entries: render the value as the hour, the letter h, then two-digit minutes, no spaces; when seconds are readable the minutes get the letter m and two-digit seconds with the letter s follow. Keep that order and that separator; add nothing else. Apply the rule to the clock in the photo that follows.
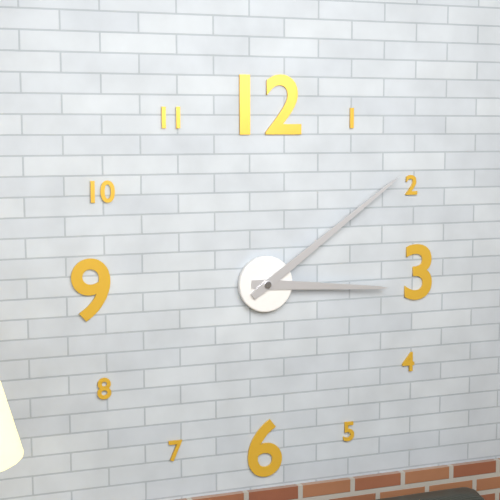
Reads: 3h09
